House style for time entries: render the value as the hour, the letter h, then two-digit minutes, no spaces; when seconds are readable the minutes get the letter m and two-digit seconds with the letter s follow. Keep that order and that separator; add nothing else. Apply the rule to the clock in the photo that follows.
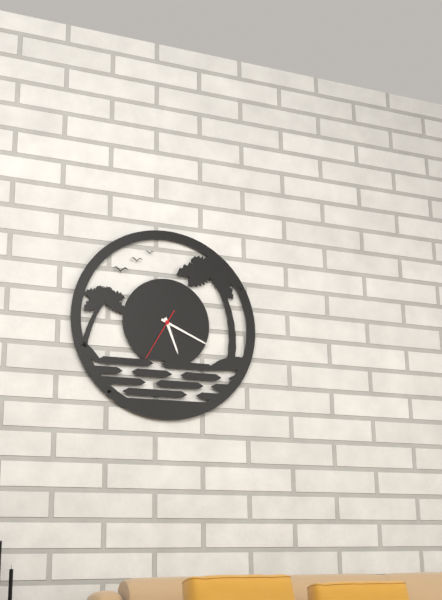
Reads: 5h19m35s
